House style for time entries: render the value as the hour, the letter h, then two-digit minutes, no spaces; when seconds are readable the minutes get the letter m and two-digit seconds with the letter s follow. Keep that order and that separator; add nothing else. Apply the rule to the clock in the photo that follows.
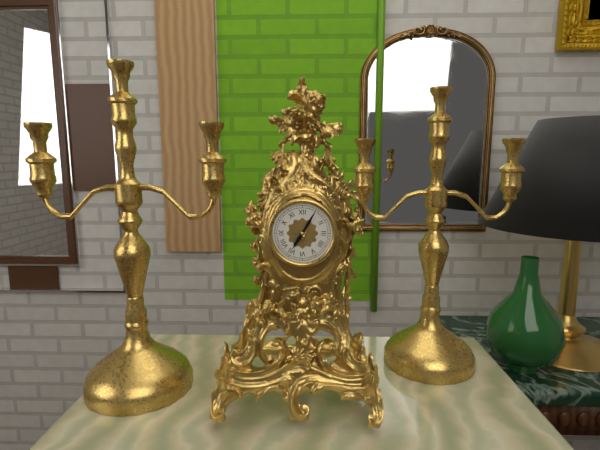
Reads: 7h05
